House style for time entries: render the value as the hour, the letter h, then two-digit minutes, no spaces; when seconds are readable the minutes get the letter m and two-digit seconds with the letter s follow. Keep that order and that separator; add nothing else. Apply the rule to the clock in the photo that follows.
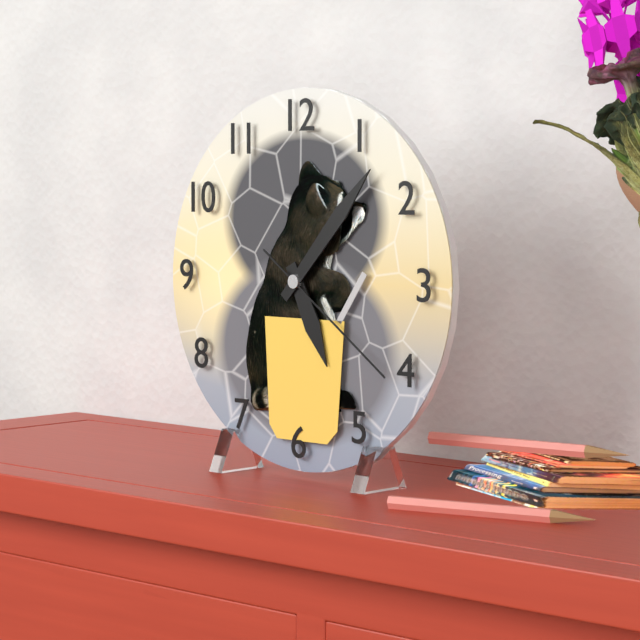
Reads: 5h07m21s
